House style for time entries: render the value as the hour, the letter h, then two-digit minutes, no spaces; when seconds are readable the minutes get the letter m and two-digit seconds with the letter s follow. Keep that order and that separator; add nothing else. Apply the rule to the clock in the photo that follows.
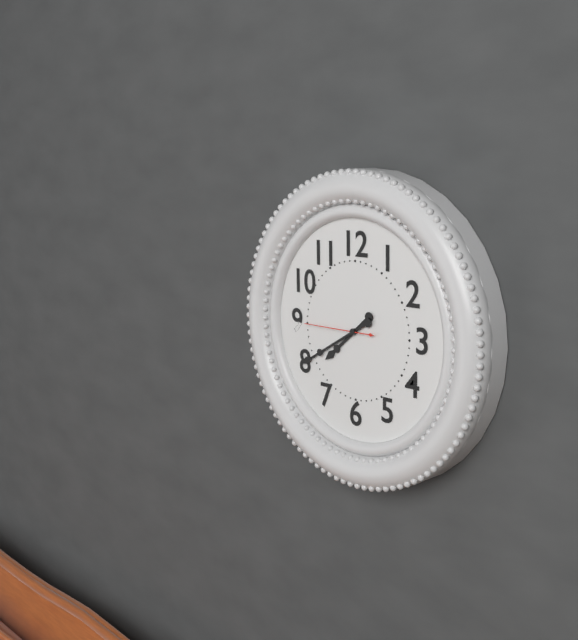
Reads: 7h40m45s
